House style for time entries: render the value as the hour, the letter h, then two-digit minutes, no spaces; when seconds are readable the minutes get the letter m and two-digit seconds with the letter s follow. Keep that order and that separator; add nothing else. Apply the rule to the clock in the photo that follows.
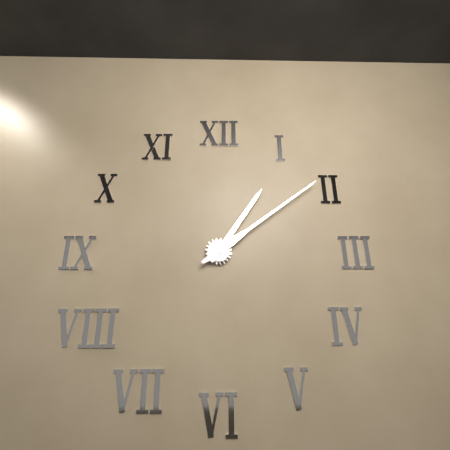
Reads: 1h09
